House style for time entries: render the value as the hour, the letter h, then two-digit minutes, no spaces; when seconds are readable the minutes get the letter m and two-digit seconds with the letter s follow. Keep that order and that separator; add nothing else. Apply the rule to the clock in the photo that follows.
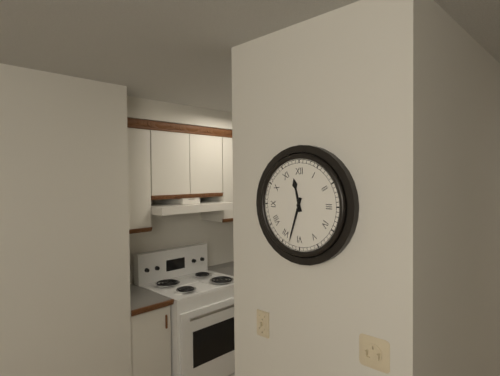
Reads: 11h33
